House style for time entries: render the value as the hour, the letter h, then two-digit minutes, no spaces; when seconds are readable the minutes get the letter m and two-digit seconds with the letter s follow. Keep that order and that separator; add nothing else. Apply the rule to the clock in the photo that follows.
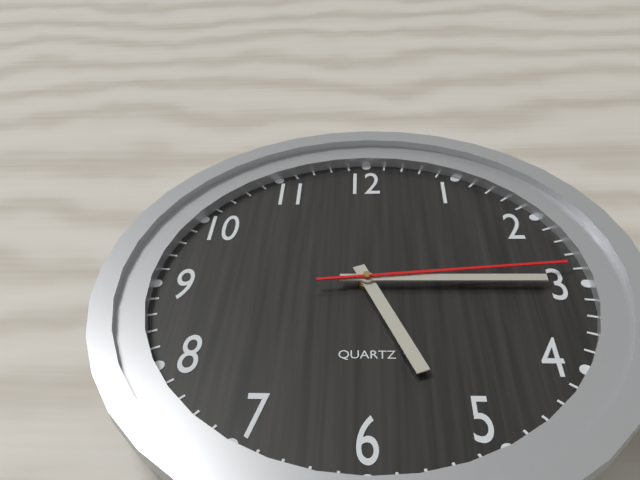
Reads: 5h15m14s
